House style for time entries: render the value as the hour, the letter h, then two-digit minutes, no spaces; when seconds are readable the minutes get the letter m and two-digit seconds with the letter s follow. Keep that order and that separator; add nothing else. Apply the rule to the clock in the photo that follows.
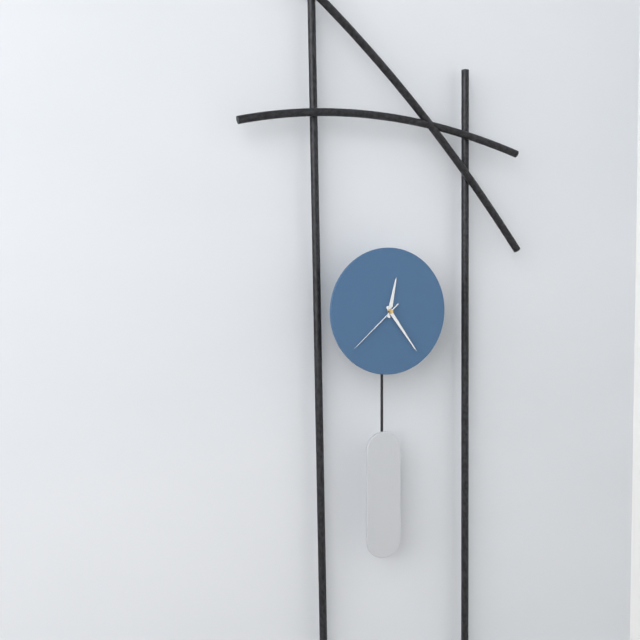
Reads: 12h24m38s
